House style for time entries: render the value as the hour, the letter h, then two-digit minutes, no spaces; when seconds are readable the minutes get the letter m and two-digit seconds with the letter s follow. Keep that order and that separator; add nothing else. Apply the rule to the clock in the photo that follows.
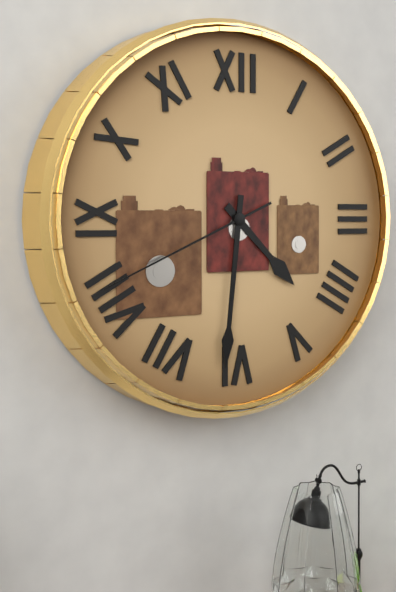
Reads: 4h31m41s
